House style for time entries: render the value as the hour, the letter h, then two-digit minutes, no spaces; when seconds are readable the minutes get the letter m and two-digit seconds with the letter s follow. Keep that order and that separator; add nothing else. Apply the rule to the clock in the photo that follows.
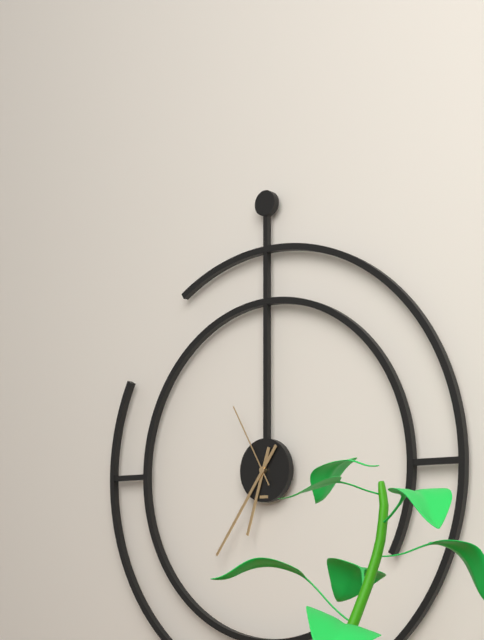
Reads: 6h36m55s
